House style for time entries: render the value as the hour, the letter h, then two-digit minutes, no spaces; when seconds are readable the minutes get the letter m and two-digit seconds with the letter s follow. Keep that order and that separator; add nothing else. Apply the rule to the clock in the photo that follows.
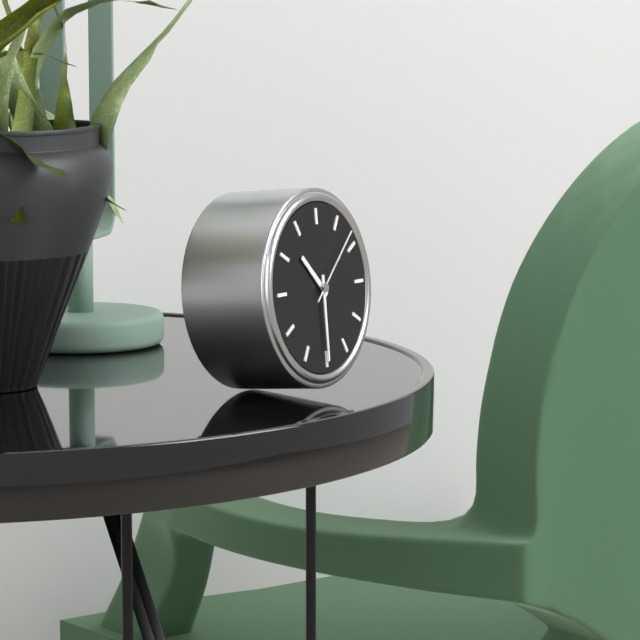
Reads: 10h30m08s
